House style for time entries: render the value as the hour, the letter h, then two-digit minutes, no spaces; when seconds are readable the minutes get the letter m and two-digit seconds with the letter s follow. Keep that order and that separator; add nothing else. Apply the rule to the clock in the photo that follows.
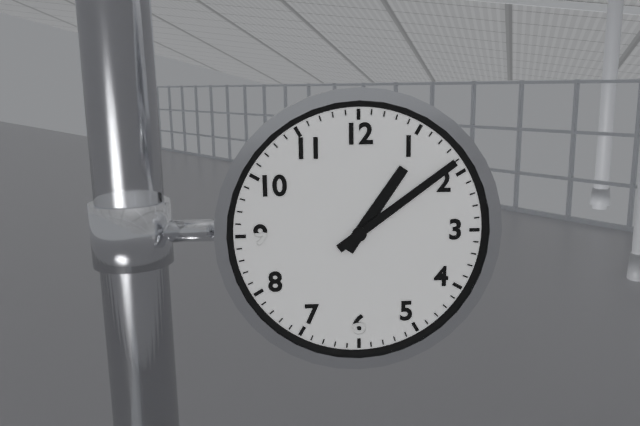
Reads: 1h09
